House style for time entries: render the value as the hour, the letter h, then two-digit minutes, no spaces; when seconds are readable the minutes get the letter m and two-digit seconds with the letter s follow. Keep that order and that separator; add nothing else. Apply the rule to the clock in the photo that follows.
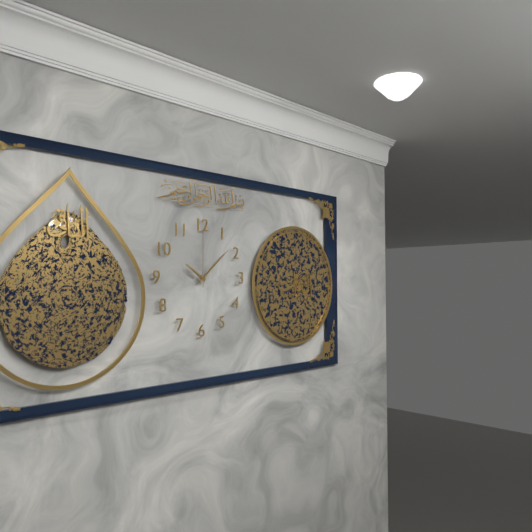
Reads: 10h08m00s
